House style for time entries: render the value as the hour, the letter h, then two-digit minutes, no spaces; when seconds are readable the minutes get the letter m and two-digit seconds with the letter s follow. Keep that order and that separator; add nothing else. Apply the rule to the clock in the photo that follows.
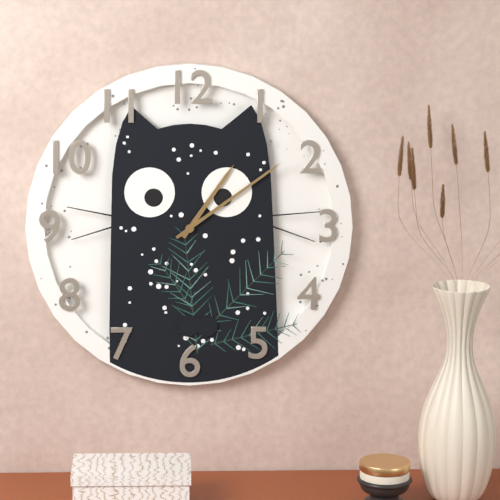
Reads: 1h09
